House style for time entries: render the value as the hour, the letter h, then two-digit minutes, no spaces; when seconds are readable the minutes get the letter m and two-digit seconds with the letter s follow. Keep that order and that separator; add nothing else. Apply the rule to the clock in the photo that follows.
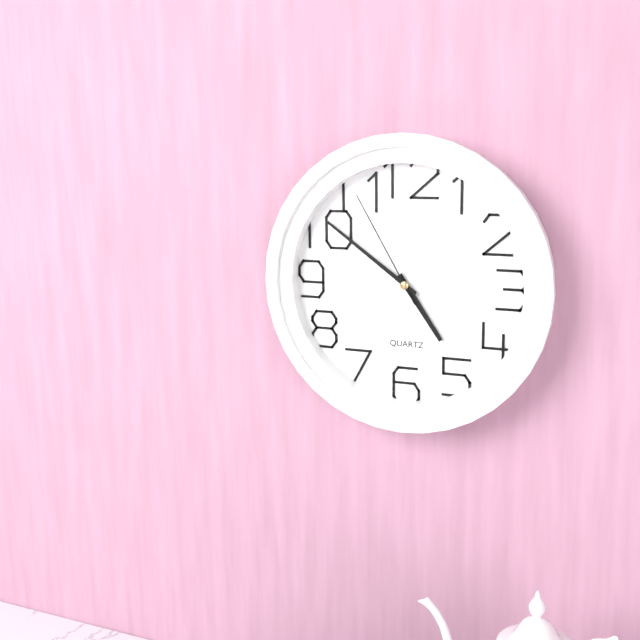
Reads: 4h51m55s
